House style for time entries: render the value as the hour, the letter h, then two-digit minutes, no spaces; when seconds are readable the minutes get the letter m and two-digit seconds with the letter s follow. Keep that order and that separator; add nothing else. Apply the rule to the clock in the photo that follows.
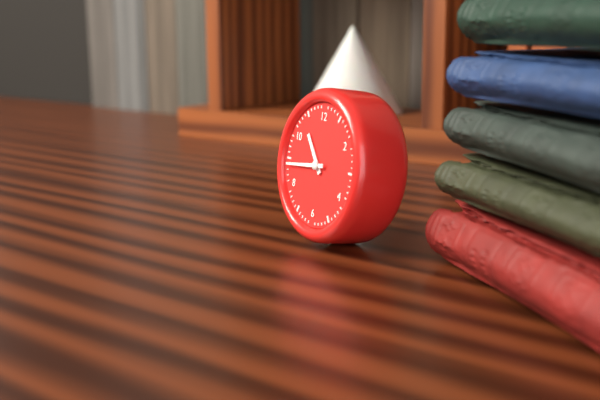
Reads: 10h44
